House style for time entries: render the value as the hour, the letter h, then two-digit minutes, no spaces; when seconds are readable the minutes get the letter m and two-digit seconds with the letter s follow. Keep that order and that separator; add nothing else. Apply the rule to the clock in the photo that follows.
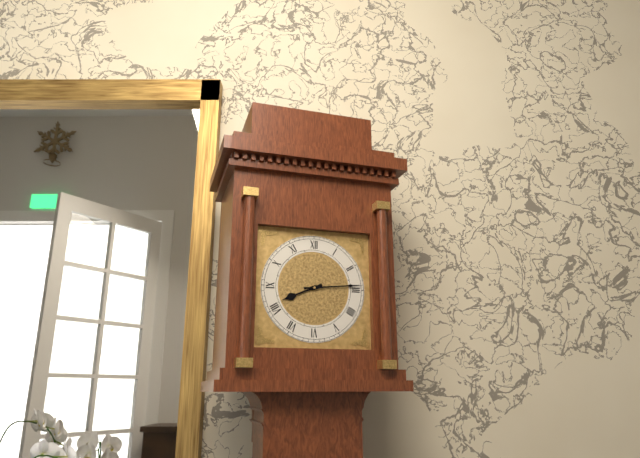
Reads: 8h14
